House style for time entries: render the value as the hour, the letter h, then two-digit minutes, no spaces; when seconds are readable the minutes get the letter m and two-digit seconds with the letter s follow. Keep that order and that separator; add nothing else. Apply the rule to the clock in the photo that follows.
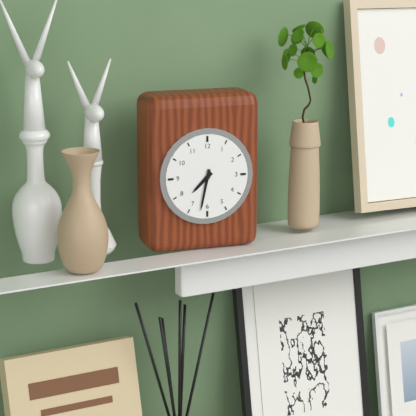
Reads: 7h32
